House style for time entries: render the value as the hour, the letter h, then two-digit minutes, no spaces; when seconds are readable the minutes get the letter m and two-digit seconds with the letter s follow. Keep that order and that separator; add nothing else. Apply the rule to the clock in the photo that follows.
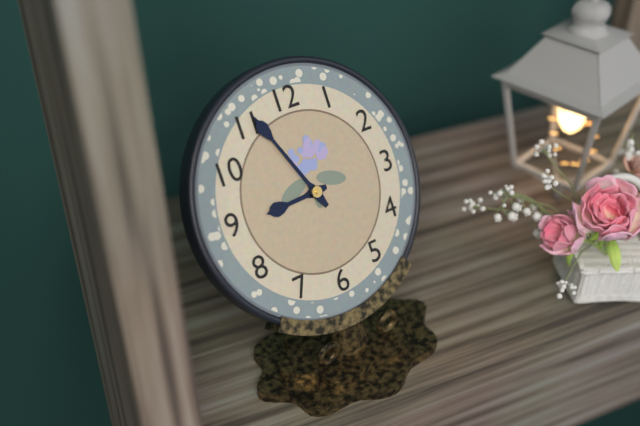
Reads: 8h56
